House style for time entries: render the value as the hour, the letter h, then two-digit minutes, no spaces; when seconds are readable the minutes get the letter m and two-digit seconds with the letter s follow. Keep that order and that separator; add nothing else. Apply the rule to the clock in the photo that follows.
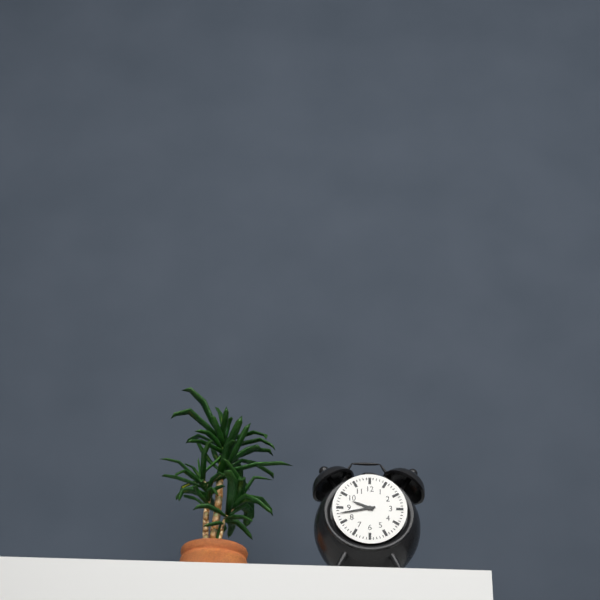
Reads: 9h43
